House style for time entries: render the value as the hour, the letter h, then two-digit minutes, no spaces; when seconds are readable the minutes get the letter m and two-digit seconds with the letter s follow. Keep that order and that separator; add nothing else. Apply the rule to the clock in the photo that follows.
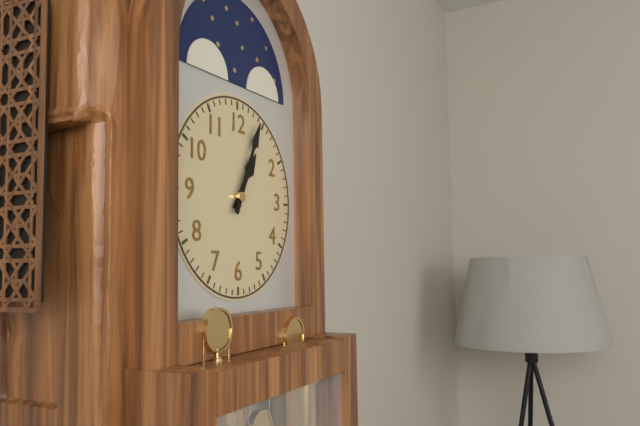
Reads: 1h04
